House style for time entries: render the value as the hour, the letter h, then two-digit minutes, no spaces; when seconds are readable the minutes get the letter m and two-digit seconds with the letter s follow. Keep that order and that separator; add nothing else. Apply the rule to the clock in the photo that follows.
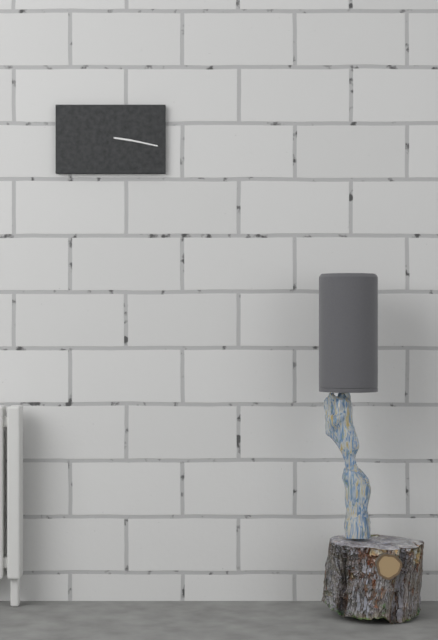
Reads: 9h17
